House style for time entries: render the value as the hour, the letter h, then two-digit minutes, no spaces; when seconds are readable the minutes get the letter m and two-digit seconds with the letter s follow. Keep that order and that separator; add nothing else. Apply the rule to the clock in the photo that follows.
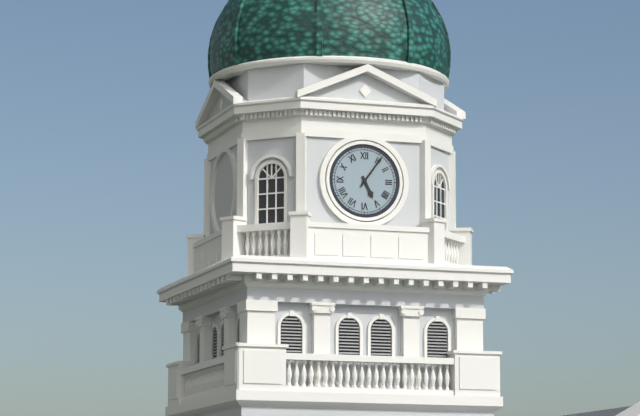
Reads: 5h06
